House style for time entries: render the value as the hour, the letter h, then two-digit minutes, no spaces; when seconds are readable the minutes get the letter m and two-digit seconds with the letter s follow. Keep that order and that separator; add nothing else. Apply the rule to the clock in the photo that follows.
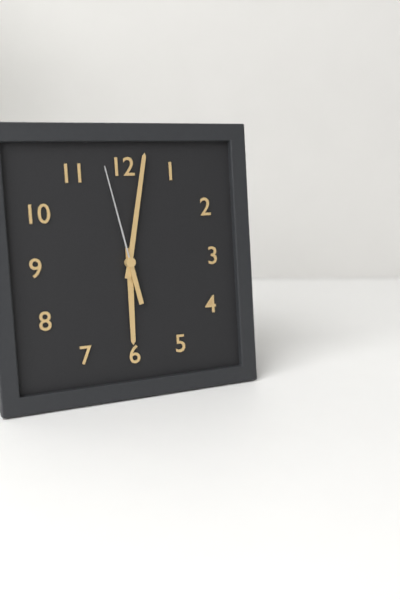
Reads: 6h02m58s
